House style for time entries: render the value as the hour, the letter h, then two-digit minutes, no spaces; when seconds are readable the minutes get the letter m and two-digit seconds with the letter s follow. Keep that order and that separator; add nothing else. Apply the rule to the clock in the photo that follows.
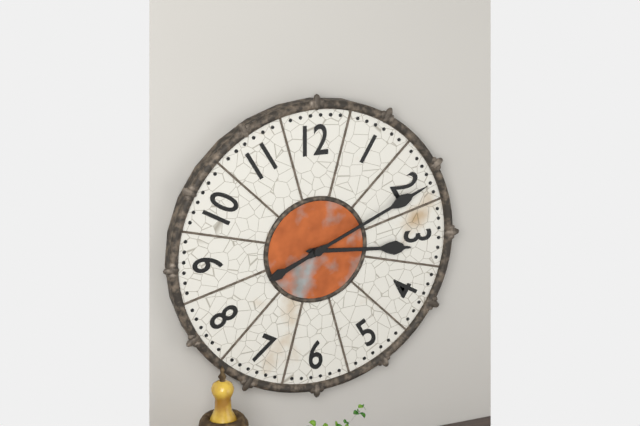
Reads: 3h11
